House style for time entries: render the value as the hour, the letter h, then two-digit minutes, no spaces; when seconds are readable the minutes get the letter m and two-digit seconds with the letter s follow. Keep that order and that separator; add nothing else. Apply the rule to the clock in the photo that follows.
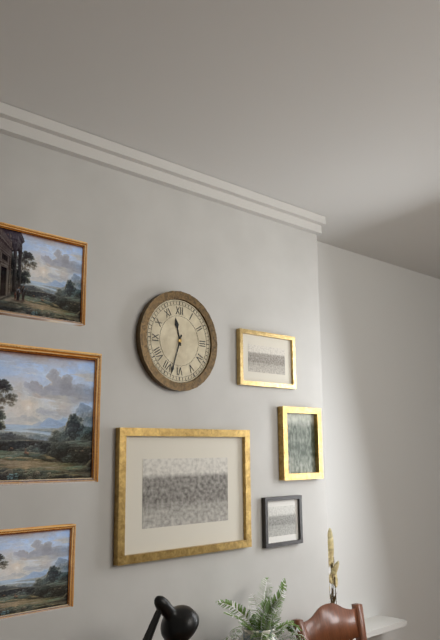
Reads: 11h33
